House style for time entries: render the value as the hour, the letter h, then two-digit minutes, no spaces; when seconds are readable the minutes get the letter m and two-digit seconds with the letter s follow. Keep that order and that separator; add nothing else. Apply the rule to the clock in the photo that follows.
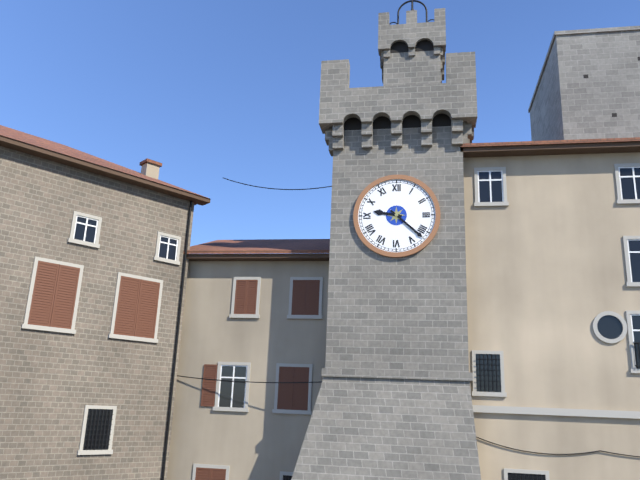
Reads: 9h22
